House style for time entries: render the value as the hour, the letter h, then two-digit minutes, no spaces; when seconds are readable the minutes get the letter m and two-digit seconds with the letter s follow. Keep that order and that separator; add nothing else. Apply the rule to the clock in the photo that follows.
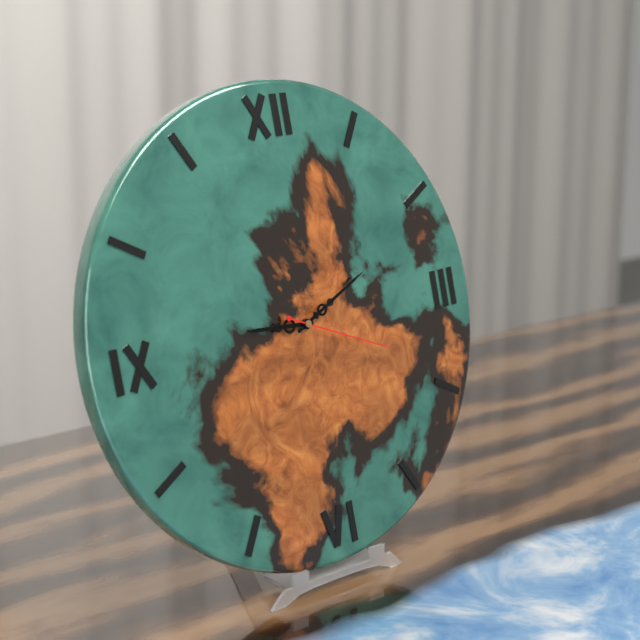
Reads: 9h11m19s
